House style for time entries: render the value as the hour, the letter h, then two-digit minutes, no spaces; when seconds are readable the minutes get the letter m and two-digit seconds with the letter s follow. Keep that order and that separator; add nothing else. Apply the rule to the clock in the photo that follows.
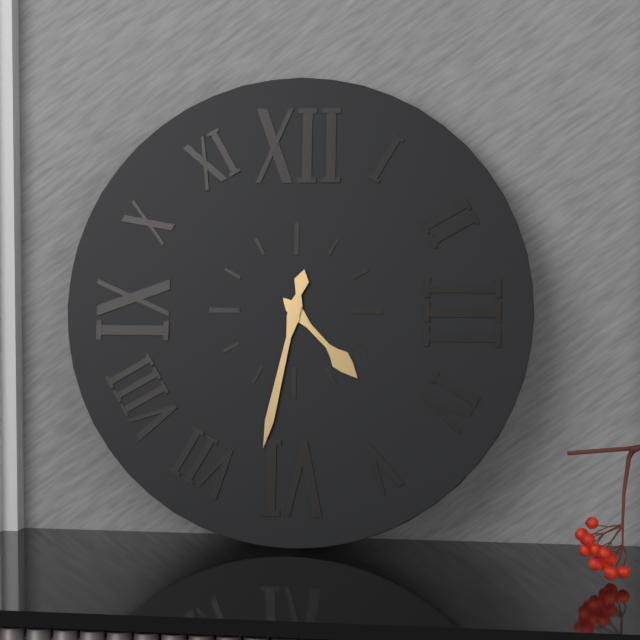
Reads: 4h32
